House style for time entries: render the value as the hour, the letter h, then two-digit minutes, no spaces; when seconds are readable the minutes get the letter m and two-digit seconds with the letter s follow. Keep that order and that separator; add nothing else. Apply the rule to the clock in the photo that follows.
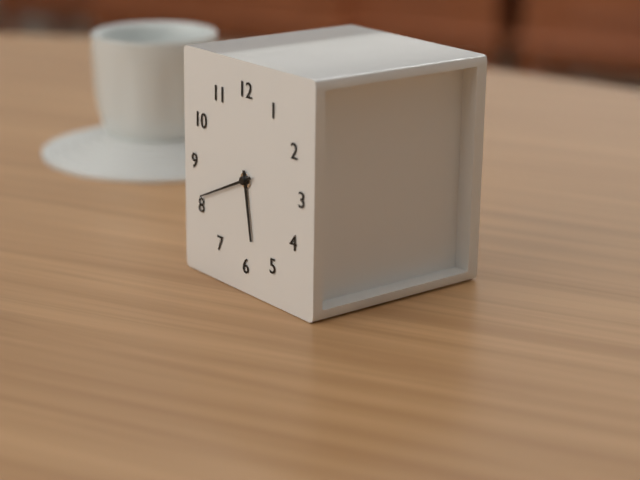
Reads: 5h41
